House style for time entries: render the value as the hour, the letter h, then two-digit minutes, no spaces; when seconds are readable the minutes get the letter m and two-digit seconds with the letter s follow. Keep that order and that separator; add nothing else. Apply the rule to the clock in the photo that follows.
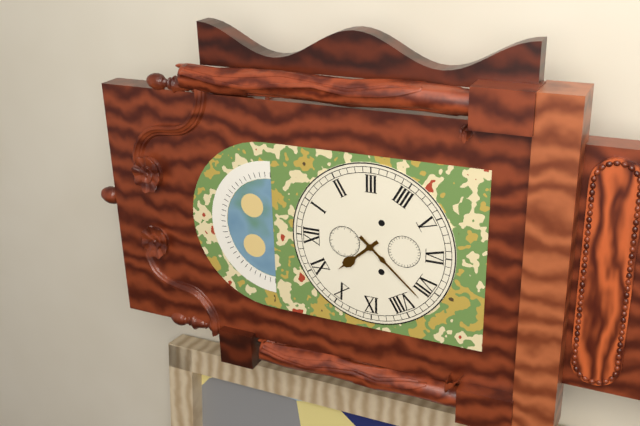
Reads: 10h37
